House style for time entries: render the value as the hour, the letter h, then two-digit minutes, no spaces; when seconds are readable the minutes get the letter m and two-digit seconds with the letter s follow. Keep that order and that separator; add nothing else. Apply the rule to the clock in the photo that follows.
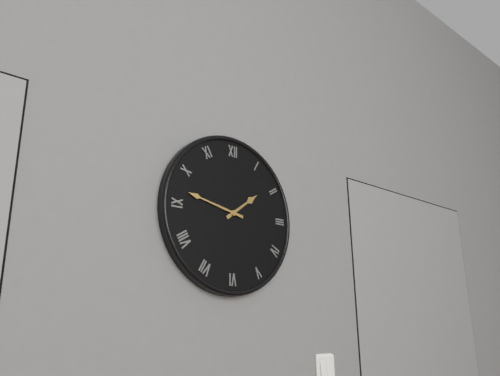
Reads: 1h47
